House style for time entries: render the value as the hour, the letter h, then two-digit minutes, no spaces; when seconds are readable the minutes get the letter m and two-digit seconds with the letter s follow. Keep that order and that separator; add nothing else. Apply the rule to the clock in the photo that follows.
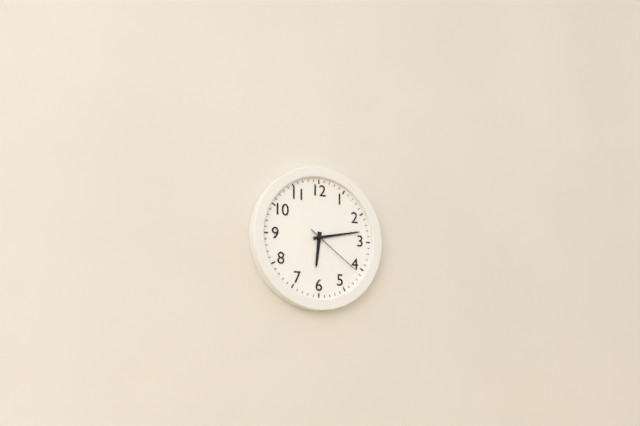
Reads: 6h13m21s
